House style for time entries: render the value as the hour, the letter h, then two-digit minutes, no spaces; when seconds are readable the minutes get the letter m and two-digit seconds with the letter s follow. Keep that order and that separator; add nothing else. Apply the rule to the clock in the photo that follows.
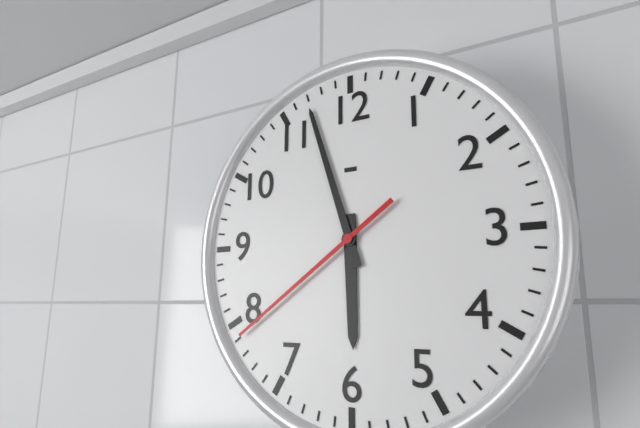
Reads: 5h57m39s
